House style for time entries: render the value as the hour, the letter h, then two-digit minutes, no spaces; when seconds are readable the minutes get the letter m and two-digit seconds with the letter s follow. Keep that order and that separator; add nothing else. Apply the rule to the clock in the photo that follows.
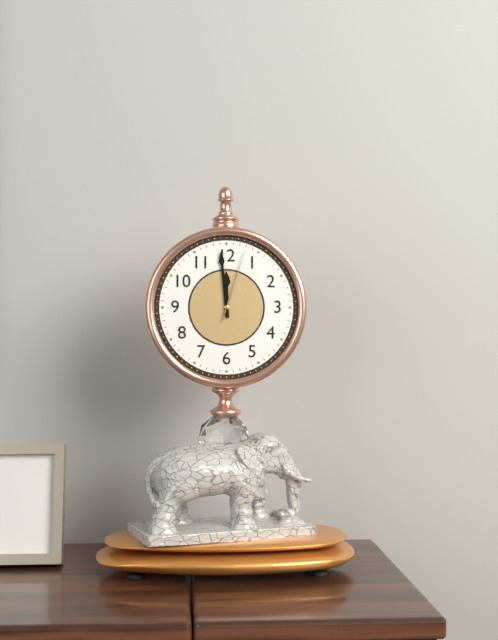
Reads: 11h59m03s
